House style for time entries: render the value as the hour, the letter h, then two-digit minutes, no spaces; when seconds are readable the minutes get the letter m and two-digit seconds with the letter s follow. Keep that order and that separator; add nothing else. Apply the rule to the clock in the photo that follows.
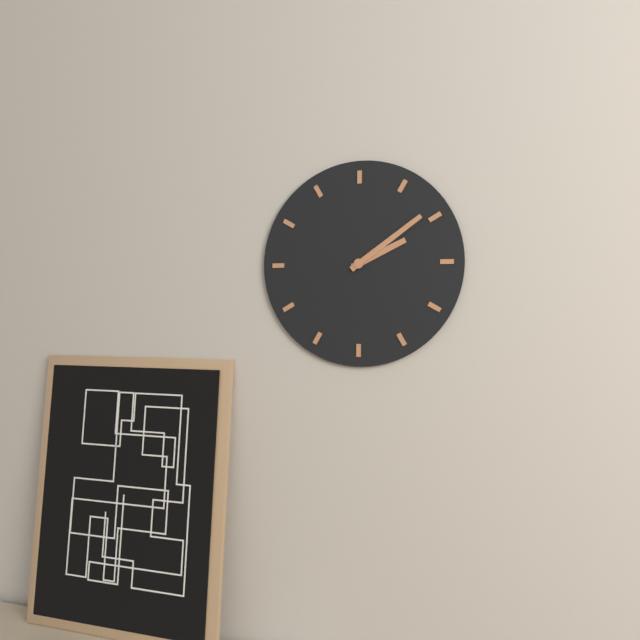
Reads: 2h09
